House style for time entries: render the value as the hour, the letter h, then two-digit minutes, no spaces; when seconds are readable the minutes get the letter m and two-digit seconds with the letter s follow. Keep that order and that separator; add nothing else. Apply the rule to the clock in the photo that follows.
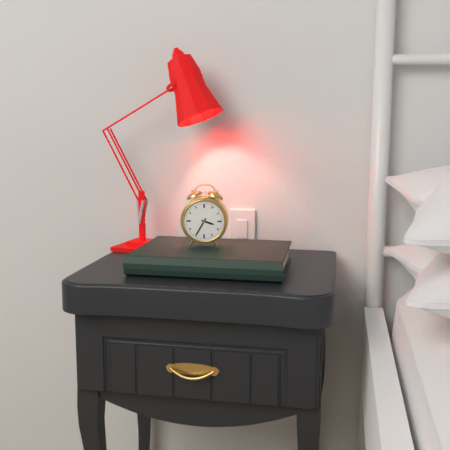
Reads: 3h35
